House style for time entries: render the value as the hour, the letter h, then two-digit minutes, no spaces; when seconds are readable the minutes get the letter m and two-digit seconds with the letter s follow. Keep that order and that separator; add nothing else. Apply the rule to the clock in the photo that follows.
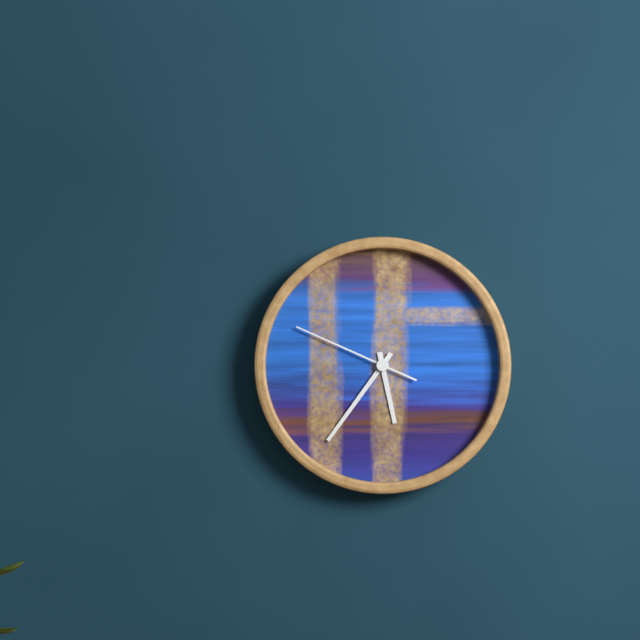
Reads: 5h36m49s
